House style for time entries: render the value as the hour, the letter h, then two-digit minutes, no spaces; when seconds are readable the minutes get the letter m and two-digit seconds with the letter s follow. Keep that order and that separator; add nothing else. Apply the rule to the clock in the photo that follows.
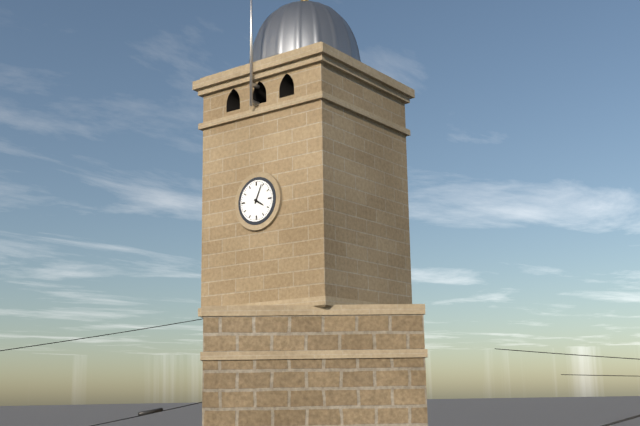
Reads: 4h04
